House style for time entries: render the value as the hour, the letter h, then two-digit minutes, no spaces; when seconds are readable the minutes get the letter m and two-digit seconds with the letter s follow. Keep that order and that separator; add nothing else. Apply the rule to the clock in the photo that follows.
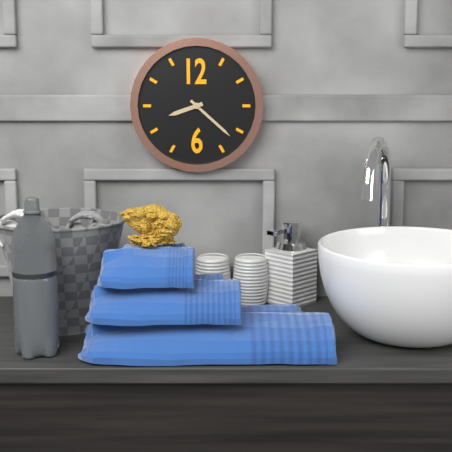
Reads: 8h22
